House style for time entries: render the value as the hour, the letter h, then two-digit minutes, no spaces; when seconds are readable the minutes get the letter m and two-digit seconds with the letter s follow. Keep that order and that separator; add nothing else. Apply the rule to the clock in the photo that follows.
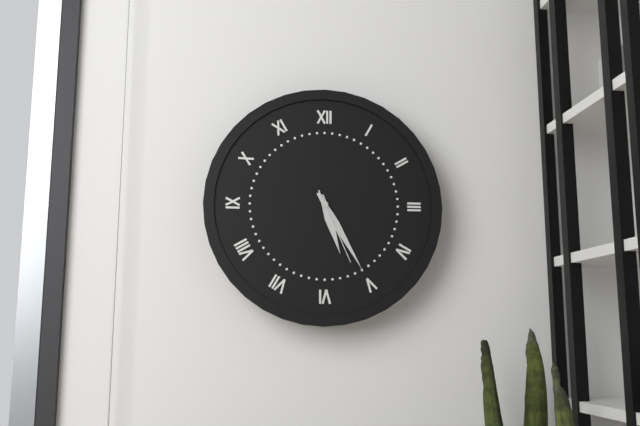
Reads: 5h25m26s
